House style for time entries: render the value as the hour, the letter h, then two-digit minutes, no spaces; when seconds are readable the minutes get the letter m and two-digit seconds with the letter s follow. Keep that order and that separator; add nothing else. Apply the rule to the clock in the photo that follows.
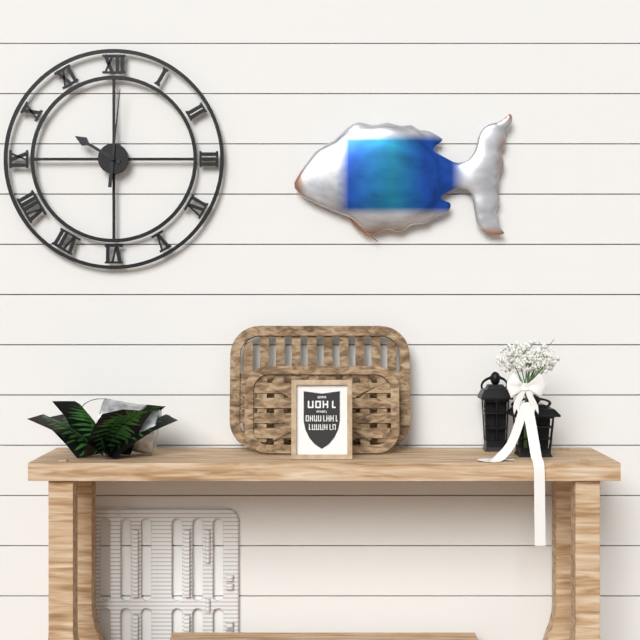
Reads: 10h01
